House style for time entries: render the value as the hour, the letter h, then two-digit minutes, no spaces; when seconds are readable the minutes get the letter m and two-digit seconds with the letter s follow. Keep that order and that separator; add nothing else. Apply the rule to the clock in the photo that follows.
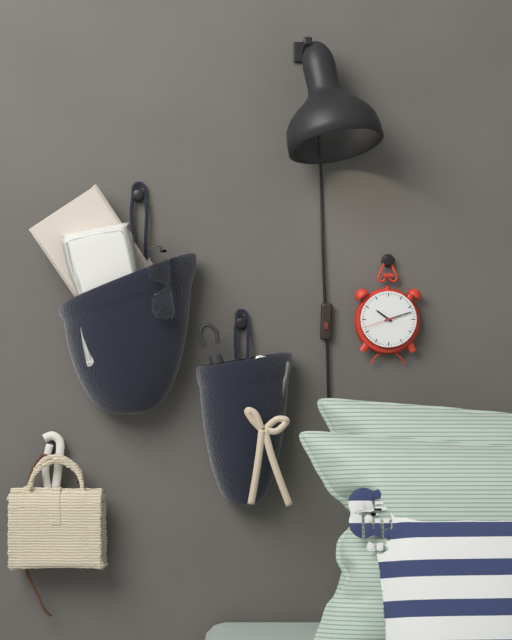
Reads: 10h12
